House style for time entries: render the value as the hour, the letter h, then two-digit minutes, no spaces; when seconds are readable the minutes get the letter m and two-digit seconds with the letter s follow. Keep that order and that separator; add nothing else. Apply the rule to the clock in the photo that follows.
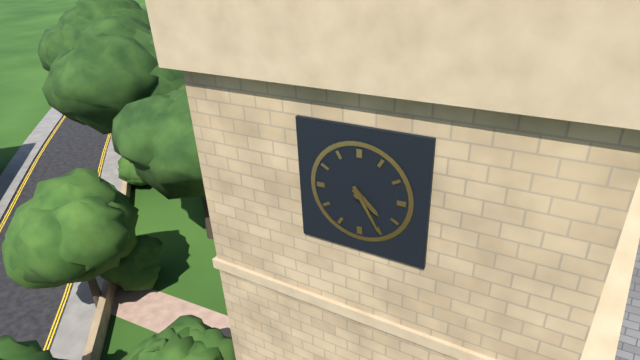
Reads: 4h25
